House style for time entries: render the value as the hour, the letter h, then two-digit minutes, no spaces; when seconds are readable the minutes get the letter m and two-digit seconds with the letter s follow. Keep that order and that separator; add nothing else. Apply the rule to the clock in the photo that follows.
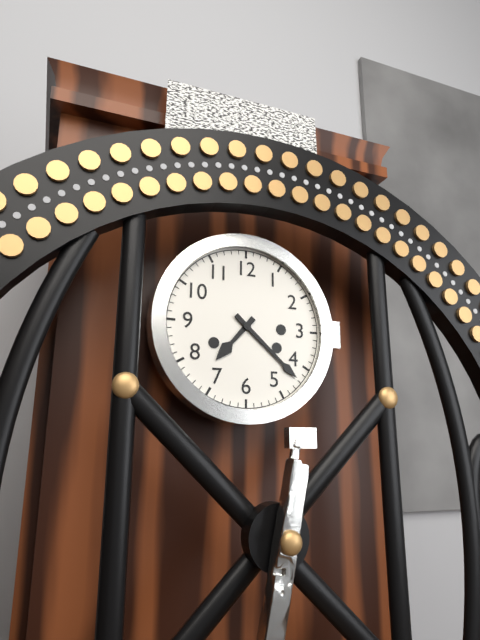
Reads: 7h22
